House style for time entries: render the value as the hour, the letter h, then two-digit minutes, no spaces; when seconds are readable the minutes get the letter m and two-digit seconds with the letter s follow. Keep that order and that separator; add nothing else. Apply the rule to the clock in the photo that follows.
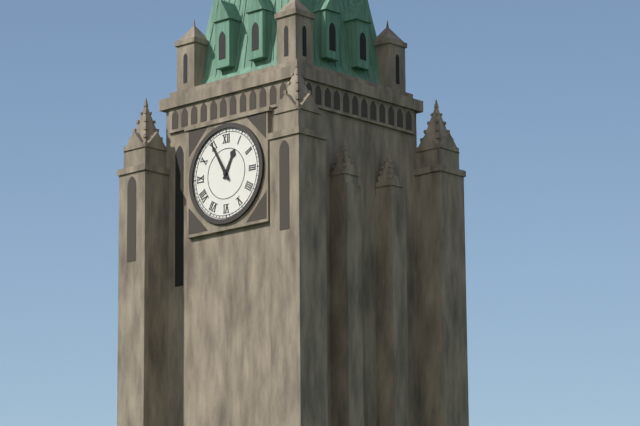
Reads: 12h55
